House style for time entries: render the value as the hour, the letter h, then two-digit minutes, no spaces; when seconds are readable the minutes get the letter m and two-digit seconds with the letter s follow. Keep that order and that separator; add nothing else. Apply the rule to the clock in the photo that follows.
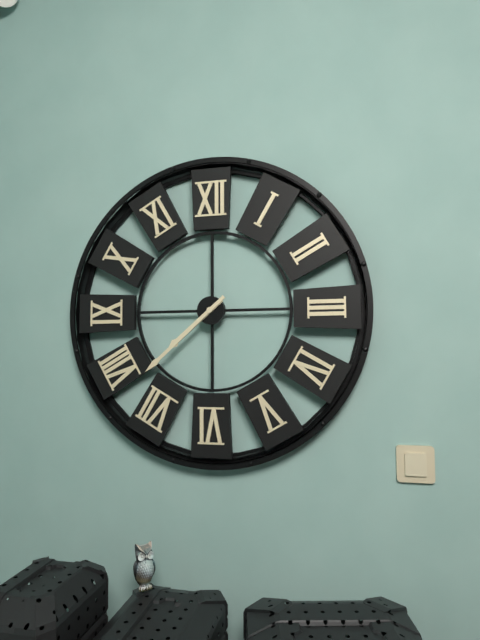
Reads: 7h38
